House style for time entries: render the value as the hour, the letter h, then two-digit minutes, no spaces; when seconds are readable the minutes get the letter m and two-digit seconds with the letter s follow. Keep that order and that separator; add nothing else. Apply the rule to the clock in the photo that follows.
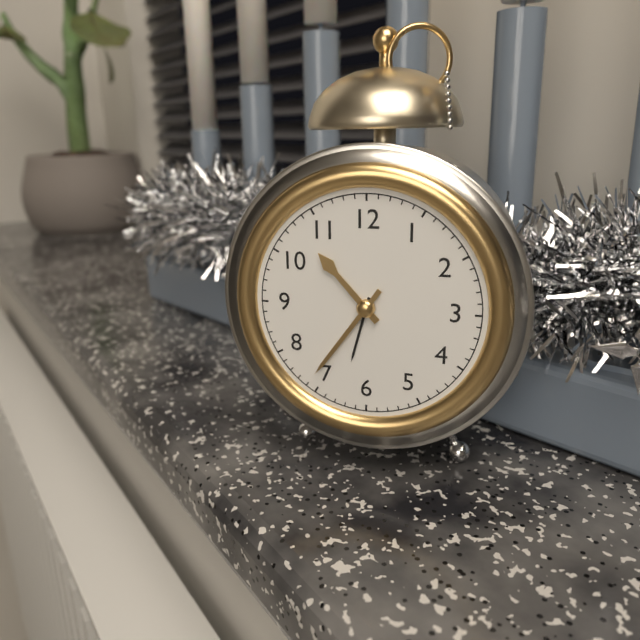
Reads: 10h36
